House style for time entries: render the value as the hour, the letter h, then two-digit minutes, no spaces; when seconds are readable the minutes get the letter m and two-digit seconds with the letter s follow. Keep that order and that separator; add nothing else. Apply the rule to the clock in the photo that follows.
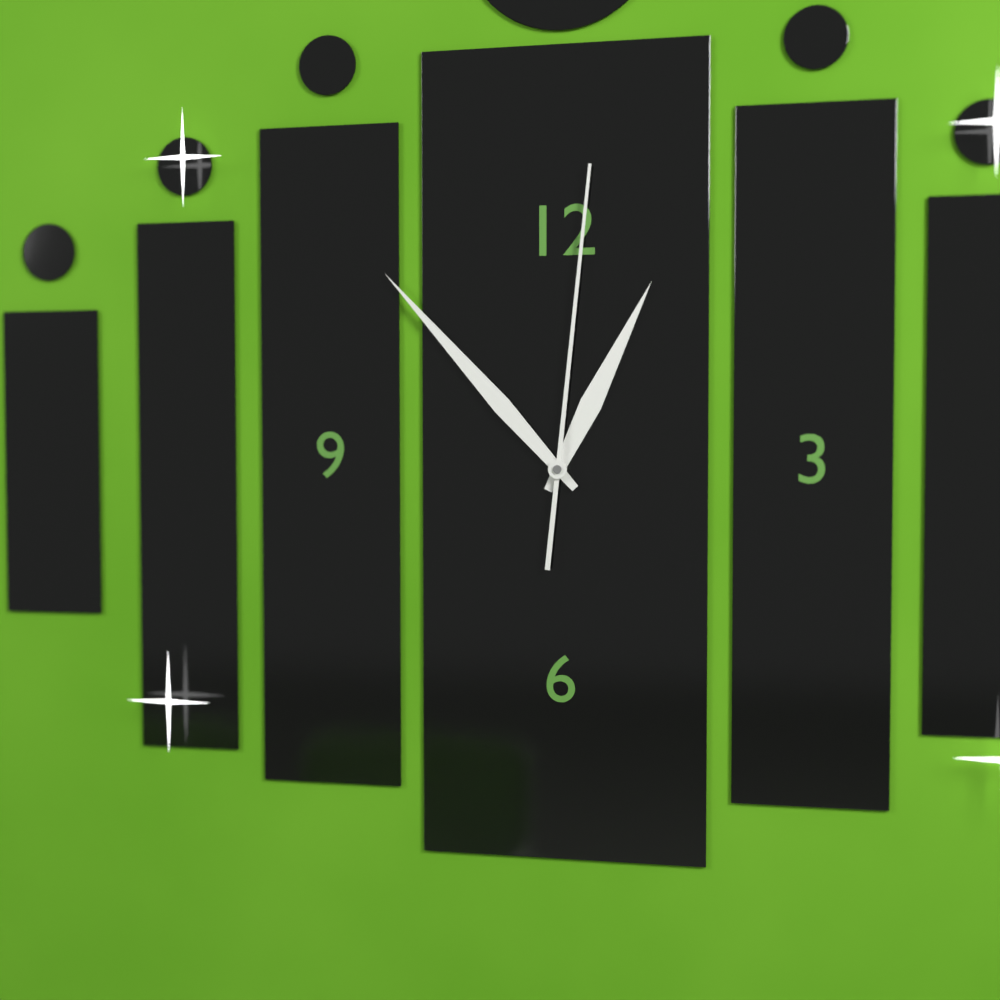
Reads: 12h53m01s
